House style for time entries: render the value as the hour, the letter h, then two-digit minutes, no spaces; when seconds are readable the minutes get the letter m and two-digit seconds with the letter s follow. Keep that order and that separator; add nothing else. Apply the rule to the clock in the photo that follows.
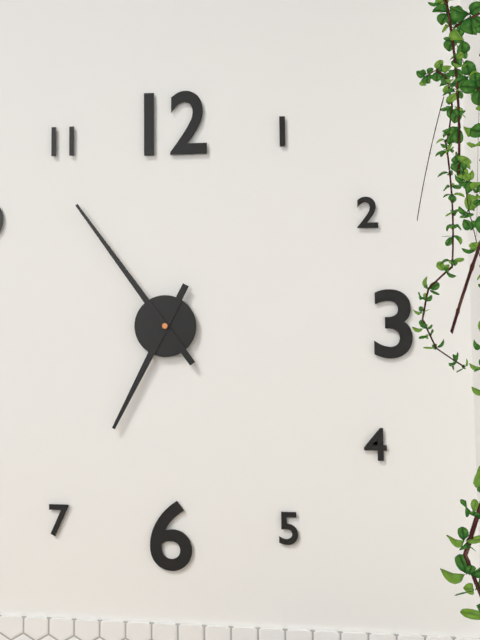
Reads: 6h54
